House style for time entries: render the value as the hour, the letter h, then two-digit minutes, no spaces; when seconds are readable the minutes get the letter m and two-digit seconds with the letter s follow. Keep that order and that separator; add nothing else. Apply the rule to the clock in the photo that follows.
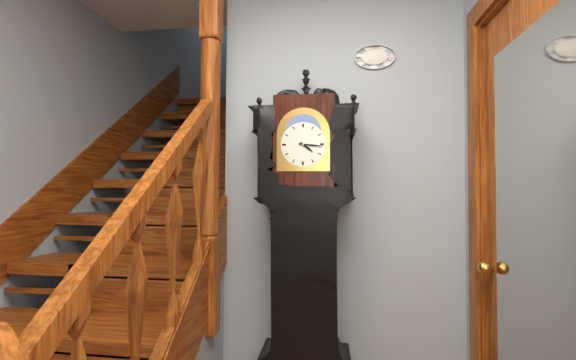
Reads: 4h16
